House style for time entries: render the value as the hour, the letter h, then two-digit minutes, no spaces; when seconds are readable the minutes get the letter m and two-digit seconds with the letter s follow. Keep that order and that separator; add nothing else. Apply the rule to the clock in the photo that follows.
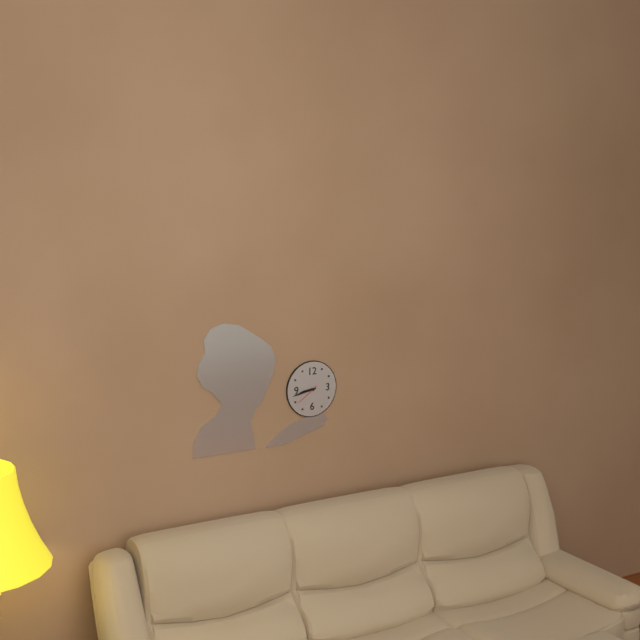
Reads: 8h43
